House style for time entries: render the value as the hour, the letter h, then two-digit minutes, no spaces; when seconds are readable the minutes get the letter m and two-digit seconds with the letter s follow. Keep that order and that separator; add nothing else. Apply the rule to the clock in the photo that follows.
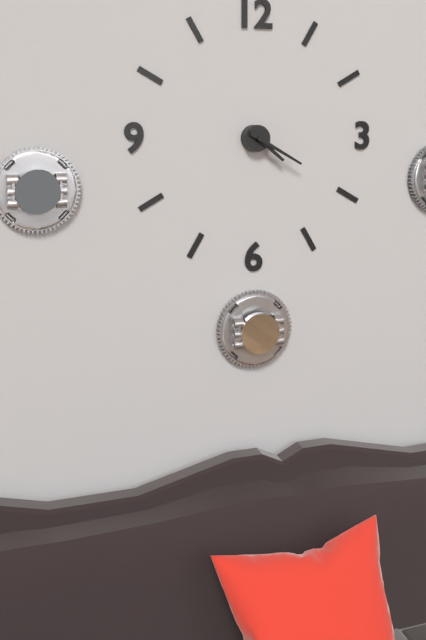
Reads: 4h20
